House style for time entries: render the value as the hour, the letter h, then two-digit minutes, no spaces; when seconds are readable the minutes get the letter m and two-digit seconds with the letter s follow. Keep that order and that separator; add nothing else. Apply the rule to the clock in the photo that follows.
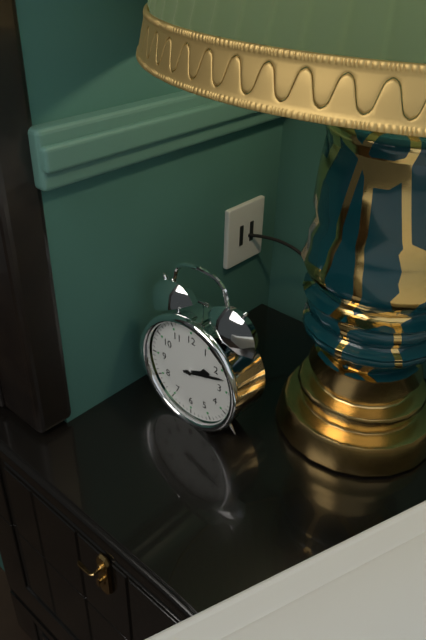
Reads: 2h12
